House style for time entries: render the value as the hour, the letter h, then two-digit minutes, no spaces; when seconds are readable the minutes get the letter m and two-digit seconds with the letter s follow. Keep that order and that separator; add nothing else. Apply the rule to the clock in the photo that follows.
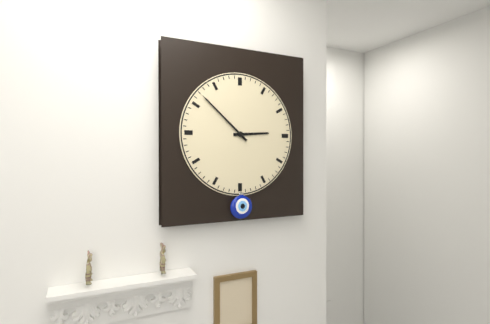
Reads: 2h52
